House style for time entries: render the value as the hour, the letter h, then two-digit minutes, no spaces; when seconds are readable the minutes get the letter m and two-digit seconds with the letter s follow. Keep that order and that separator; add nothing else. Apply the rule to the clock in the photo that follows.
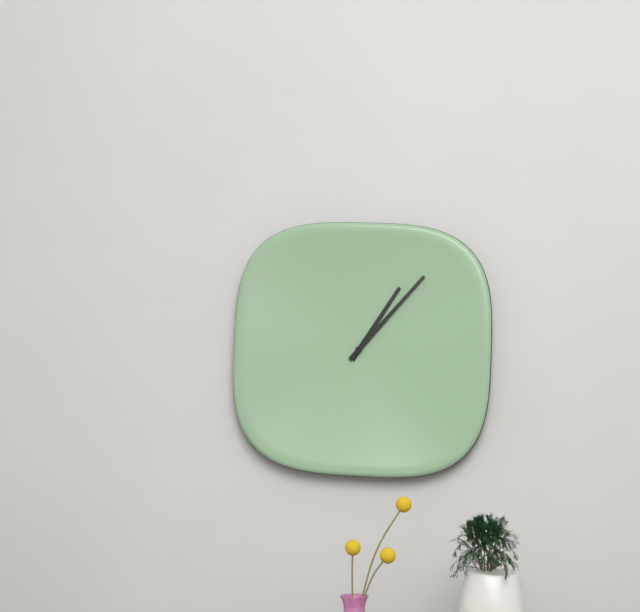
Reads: 1h07
